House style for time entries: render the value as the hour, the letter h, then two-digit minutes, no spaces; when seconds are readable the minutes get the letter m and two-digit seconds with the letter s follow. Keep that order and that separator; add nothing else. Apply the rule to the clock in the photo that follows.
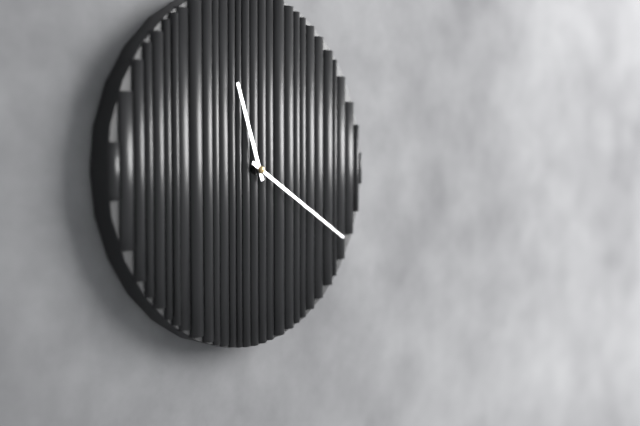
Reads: 11h20
